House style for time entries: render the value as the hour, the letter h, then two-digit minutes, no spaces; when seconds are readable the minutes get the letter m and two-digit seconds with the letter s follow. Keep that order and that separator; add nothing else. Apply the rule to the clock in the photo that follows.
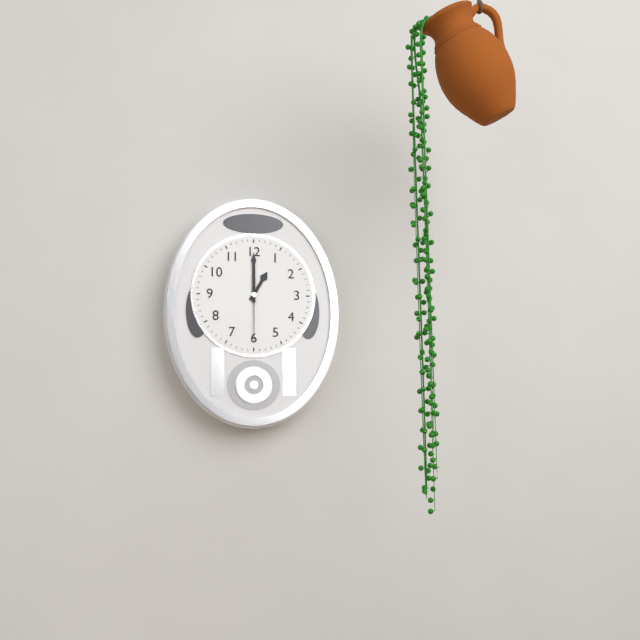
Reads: 1h00m30s
